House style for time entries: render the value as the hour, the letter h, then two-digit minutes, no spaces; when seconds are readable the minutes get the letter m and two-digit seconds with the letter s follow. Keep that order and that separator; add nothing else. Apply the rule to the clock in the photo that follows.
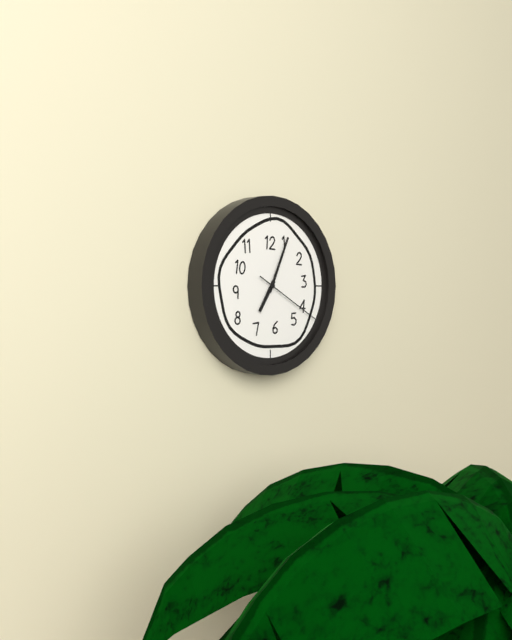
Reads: 7h04m20s
